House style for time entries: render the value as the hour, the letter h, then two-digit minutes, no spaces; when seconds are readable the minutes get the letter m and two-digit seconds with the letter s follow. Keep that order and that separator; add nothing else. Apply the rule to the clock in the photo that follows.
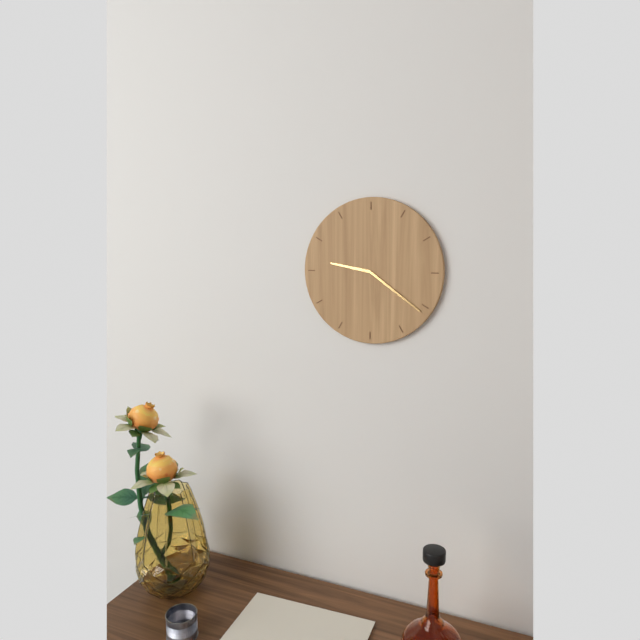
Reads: 9h21
